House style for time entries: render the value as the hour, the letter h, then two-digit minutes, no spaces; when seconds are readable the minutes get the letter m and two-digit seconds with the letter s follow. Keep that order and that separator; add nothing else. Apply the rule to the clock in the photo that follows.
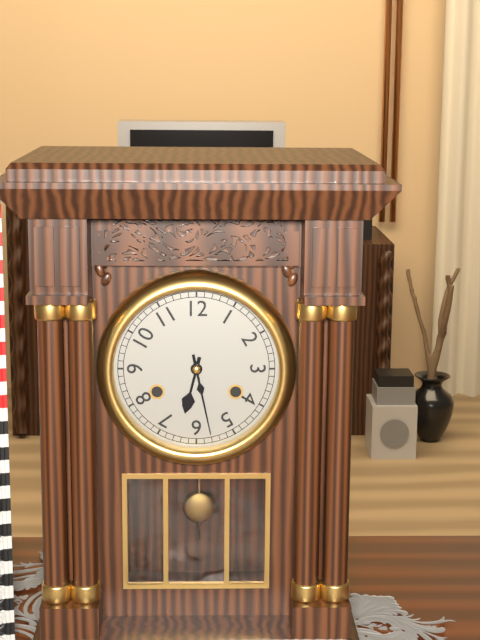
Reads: 6h28
